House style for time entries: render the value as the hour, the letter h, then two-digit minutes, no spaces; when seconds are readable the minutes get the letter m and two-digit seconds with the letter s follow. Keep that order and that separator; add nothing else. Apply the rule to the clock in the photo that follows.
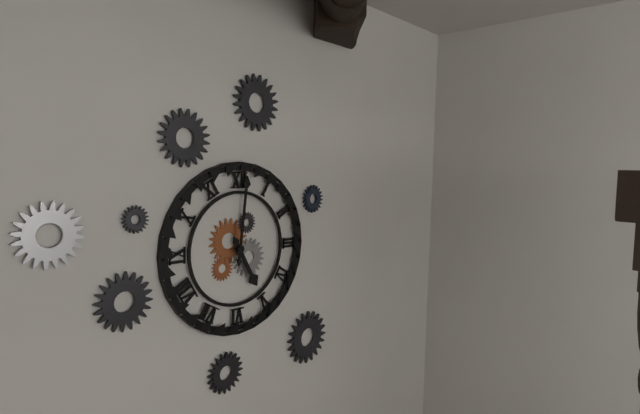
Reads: 5h01
